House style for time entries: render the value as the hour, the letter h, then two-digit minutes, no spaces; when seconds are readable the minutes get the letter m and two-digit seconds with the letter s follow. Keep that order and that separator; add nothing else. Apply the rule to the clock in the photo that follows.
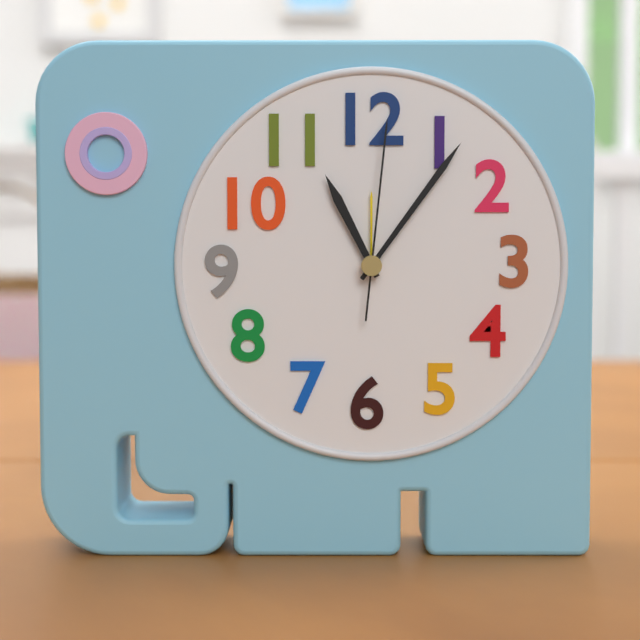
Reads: 11h06m01s
